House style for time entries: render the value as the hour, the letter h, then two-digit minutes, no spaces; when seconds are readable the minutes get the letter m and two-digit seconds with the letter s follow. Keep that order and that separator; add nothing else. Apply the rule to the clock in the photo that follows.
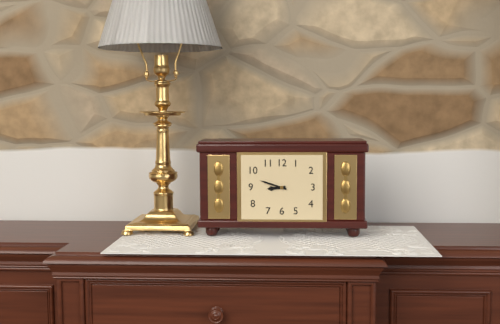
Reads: 8h48
